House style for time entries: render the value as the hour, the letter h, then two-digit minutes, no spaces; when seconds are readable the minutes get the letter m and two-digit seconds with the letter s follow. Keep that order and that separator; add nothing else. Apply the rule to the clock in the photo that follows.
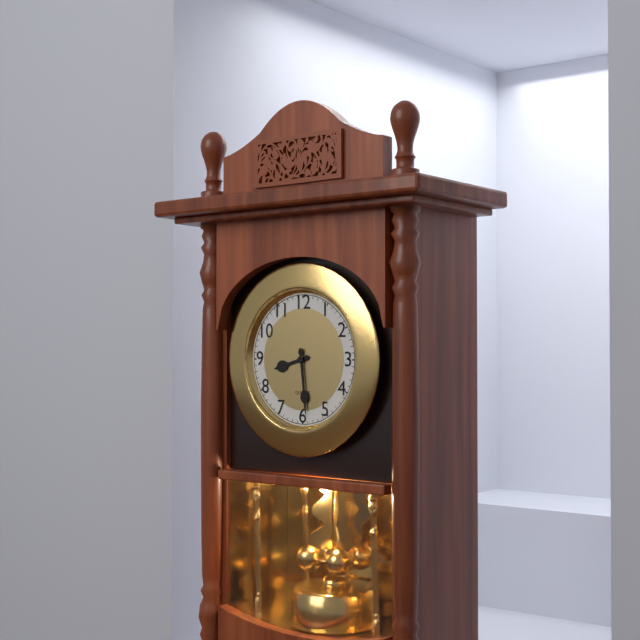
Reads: 8h29
